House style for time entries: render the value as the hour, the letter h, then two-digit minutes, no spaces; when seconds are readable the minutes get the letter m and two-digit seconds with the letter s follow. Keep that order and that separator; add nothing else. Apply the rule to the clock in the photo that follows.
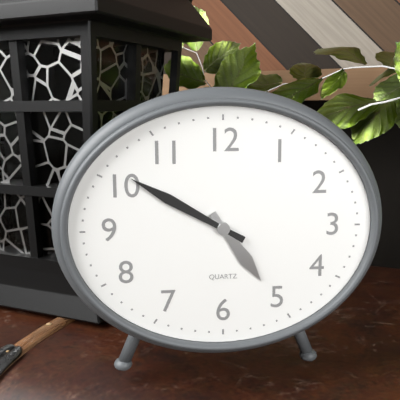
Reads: 4h50
